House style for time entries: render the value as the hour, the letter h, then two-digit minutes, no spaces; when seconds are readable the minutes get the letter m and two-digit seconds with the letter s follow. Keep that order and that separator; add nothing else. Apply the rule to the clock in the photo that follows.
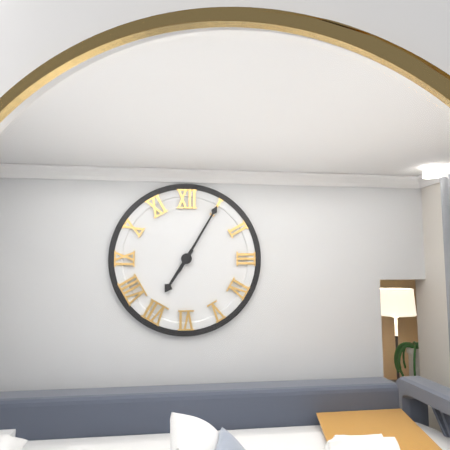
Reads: 7h05
